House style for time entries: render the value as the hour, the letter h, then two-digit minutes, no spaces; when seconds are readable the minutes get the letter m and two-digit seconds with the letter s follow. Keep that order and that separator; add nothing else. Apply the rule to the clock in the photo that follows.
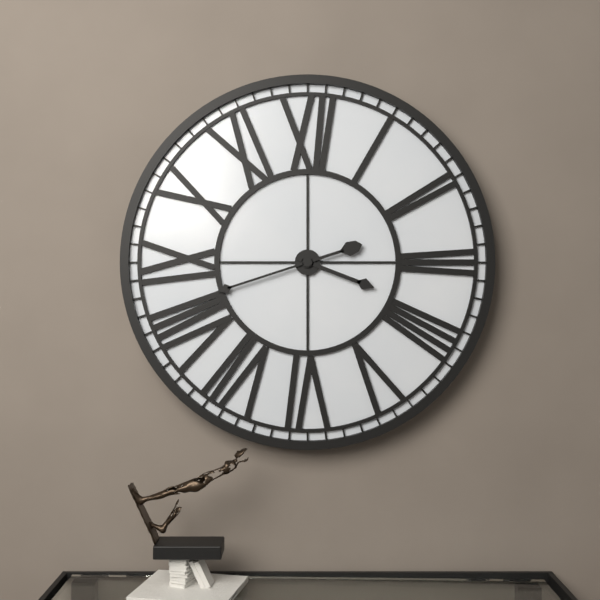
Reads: 3h42
